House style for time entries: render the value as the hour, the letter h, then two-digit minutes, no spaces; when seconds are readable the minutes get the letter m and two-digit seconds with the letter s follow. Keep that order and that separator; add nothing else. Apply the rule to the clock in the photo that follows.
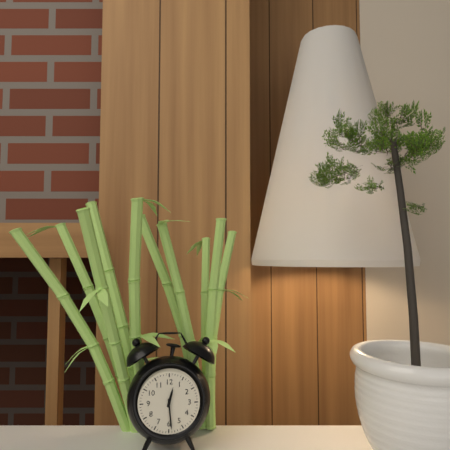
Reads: 12h29
